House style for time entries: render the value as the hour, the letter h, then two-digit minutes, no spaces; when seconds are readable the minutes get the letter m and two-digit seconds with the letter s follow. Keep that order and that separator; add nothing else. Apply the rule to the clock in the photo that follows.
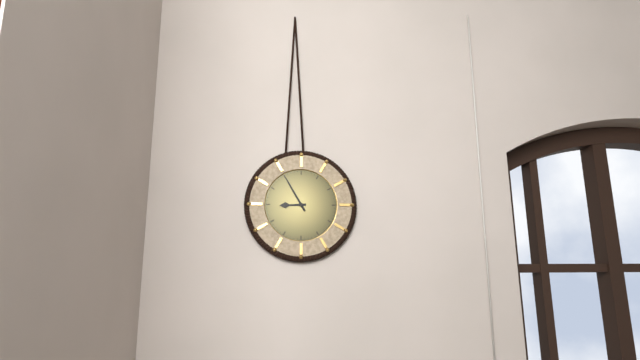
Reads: 8h55
